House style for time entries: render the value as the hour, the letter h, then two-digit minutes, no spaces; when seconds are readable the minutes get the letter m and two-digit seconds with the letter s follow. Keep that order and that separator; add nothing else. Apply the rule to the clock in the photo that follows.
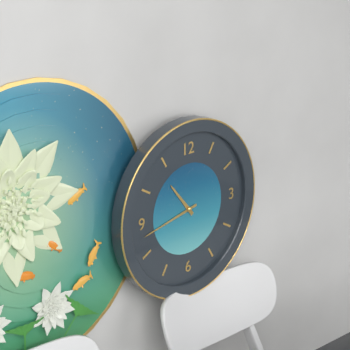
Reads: 10h43
